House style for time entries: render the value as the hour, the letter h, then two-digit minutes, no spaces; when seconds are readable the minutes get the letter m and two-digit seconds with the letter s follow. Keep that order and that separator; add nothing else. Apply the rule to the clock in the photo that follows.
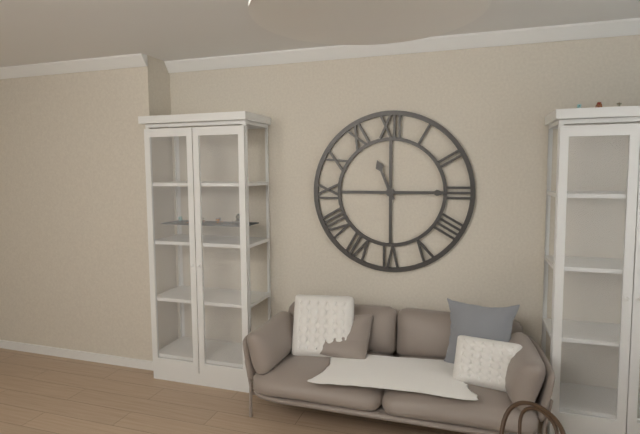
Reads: 11h15
